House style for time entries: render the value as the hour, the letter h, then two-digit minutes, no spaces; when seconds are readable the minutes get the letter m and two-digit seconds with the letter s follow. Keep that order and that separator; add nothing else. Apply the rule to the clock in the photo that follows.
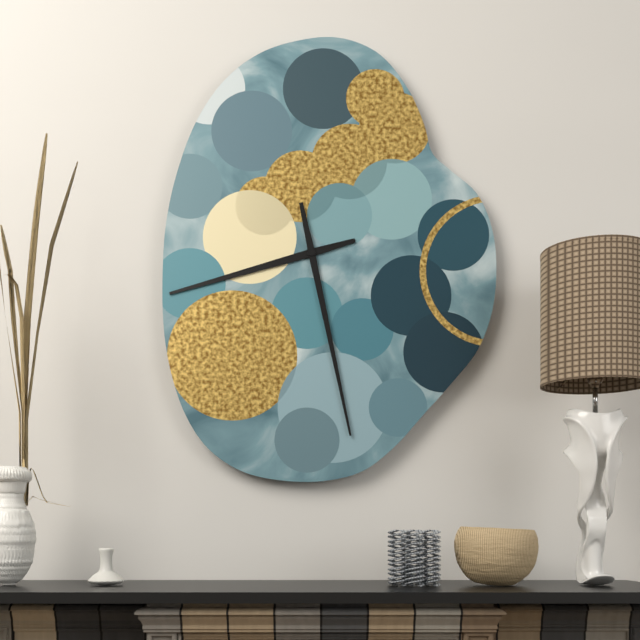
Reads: 8h28
